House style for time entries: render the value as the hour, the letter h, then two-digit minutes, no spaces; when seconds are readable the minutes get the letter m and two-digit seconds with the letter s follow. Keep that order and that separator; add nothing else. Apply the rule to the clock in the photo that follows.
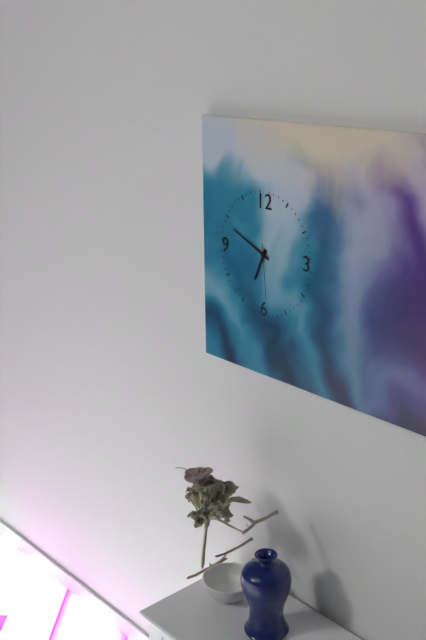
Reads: 6h49m29s
